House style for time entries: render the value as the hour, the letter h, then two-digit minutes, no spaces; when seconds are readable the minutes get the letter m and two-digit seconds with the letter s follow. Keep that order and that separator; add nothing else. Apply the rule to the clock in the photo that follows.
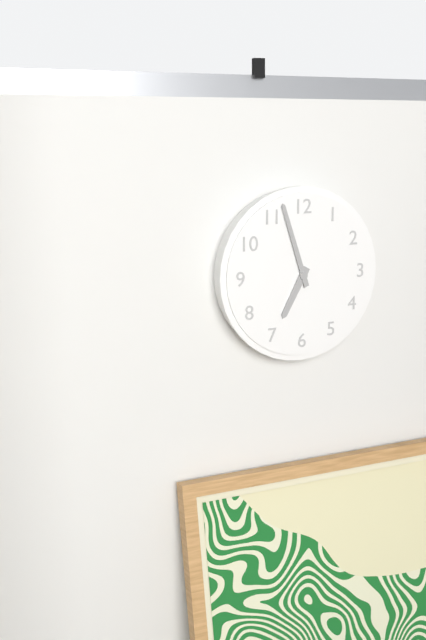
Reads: 6h57
